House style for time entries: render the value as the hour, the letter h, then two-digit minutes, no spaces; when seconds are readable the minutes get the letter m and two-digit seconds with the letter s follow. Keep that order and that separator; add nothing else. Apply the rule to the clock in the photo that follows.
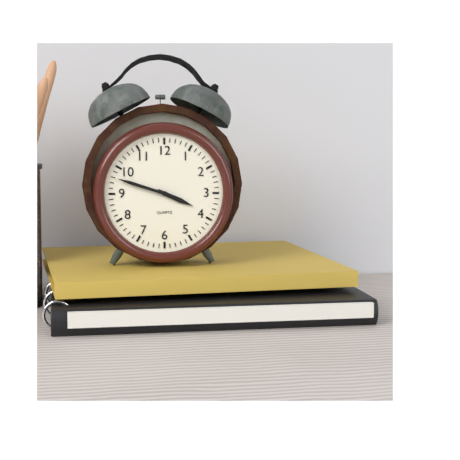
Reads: 3h48
